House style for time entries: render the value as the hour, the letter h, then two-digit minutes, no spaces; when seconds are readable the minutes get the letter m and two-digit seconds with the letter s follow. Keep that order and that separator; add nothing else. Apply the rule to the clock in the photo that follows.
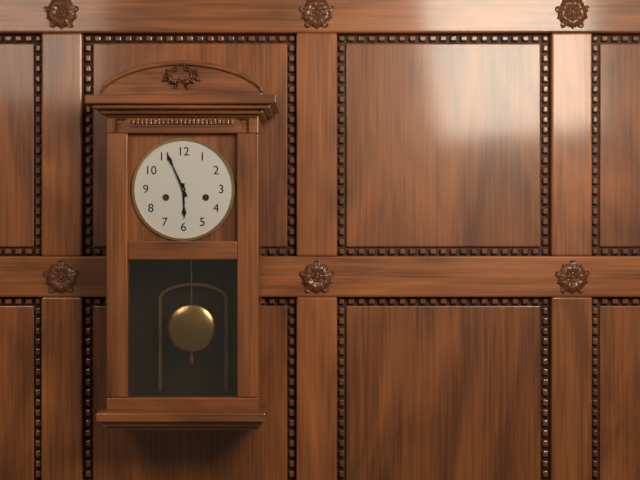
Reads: 5h56
